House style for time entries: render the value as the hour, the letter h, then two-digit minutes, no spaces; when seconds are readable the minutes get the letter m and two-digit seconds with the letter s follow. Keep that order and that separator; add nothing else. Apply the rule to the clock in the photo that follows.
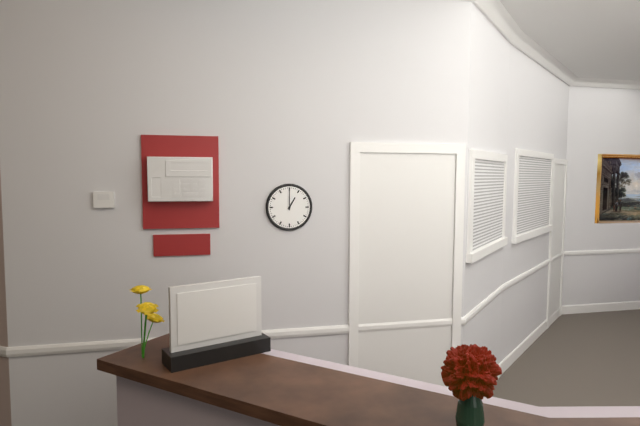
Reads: 1h00
